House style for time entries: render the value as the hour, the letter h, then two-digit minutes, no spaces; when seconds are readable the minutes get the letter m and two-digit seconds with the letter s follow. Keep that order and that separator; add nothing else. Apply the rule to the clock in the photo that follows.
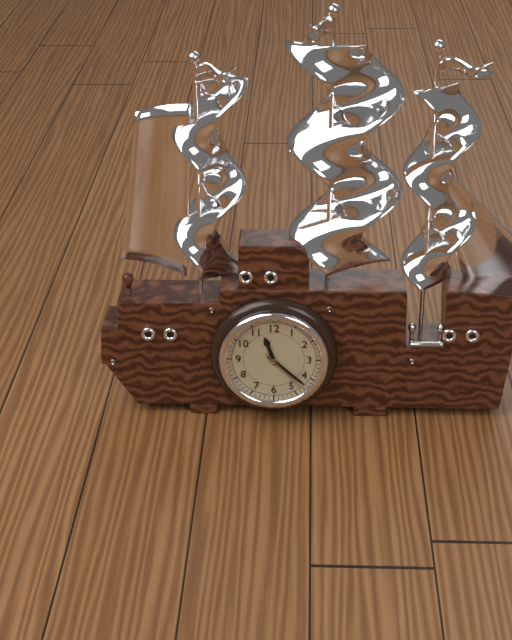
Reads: 11h22m23s
